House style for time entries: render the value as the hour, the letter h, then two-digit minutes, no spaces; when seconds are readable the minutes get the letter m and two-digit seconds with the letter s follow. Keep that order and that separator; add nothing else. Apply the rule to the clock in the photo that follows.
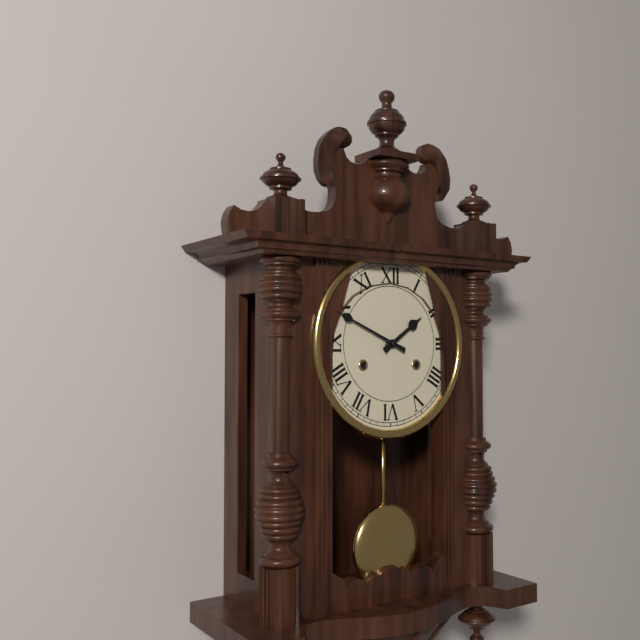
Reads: 1h49
